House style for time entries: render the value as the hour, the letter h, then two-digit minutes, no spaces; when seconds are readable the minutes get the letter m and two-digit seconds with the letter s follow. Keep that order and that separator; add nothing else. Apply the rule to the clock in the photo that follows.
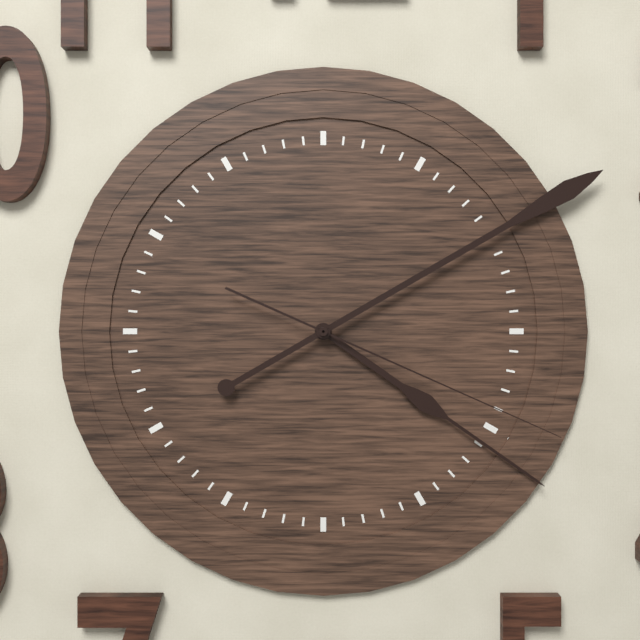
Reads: 4h10m19s
